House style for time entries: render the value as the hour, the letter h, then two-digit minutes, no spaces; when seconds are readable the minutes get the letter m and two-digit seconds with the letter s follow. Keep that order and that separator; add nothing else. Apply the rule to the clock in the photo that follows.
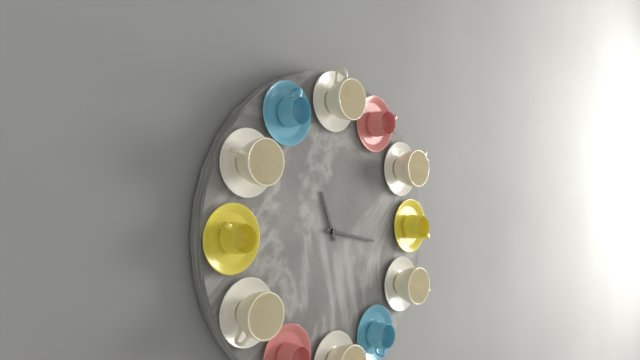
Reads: 11h17
